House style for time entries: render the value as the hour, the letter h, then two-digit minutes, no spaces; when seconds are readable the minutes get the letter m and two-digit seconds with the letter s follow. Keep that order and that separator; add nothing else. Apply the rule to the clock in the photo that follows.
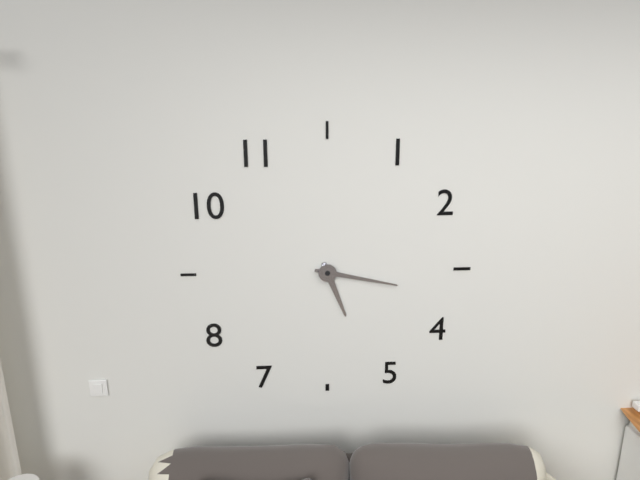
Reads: 5h17
